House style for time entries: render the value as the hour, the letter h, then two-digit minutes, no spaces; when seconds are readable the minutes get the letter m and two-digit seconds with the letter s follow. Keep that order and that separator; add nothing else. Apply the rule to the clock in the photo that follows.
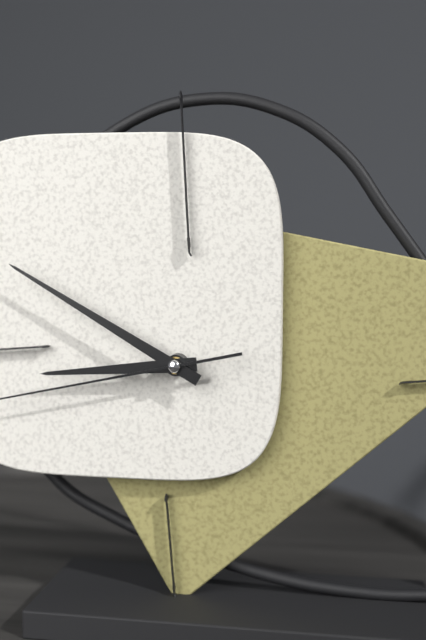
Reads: 8h50
